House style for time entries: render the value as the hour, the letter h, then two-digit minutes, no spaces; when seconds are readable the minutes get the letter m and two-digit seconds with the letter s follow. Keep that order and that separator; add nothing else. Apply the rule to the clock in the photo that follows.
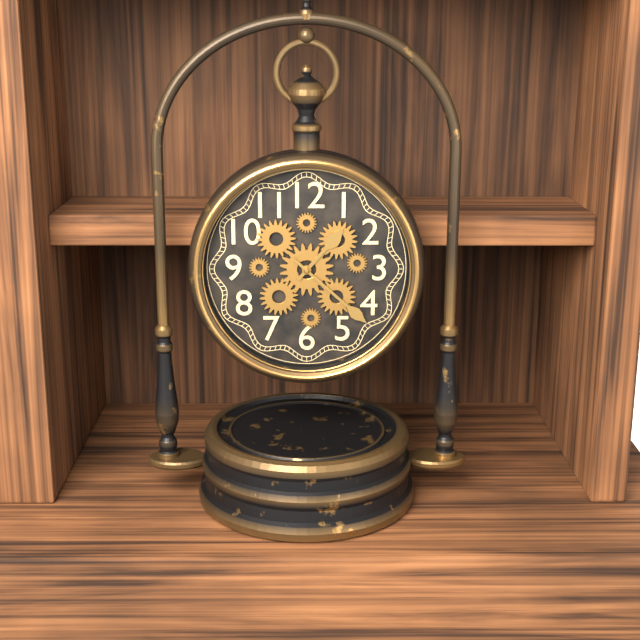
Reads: 1h22
